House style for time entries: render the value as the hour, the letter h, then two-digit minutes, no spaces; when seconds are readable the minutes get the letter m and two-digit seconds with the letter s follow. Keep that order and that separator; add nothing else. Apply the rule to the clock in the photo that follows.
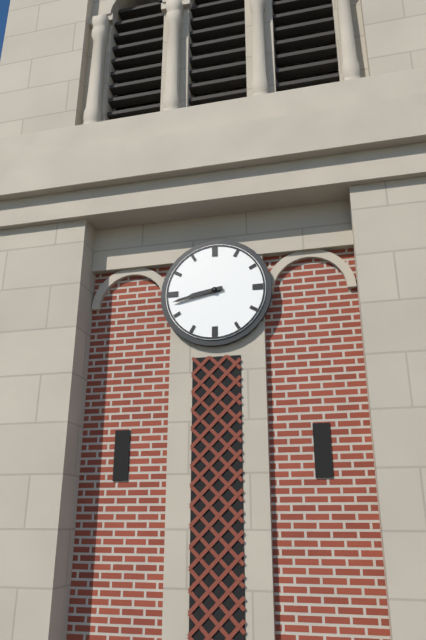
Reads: 8h43
